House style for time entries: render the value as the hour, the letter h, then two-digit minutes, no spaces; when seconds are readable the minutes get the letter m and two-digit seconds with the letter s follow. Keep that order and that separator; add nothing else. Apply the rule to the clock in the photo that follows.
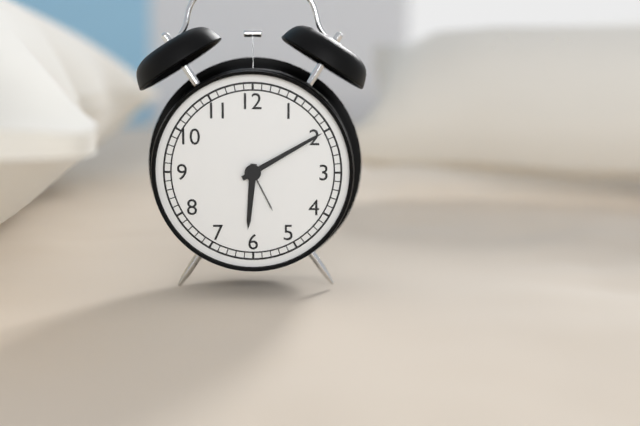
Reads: 6h10
